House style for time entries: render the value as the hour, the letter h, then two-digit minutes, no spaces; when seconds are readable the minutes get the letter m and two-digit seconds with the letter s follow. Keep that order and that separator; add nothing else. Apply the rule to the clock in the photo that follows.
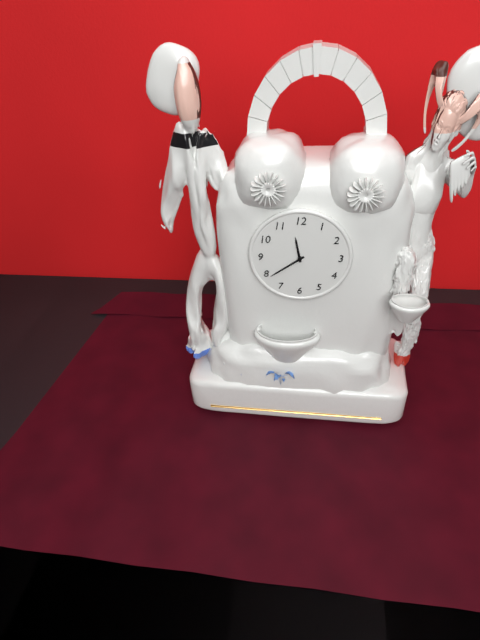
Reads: 11h39
